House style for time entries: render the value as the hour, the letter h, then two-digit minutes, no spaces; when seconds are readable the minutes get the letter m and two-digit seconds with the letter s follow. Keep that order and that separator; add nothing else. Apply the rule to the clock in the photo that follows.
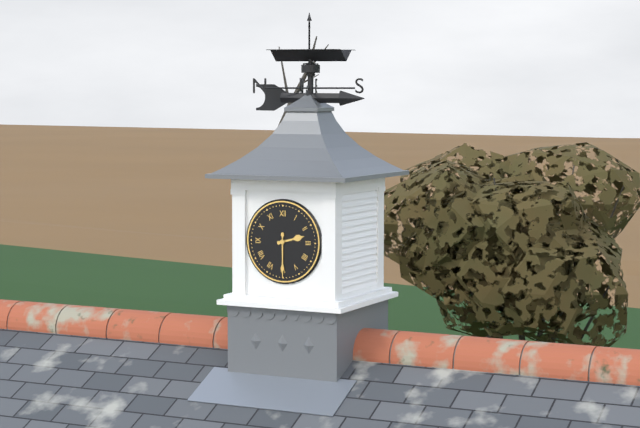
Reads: 2h30
